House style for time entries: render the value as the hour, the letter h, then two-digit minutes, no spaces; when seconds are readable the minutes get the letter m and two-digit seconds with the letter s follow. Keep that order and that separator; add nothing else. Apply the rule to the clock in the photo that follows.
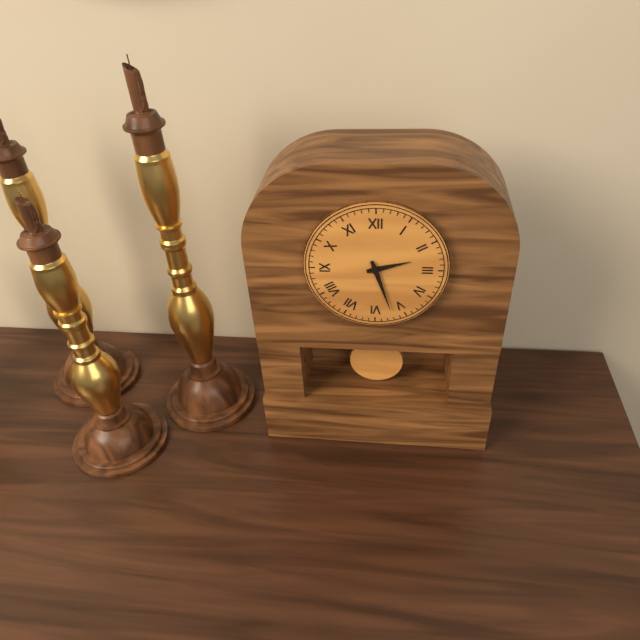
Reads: 2h27
